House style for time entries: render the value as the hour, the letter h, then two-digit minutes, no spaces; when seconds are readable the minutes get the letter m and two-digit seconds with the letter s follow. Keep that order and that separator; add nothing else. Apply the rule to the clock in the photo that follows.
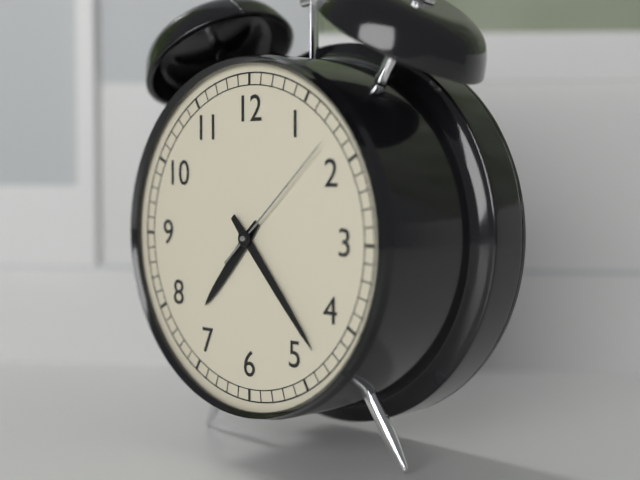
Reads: 7h23m08s
